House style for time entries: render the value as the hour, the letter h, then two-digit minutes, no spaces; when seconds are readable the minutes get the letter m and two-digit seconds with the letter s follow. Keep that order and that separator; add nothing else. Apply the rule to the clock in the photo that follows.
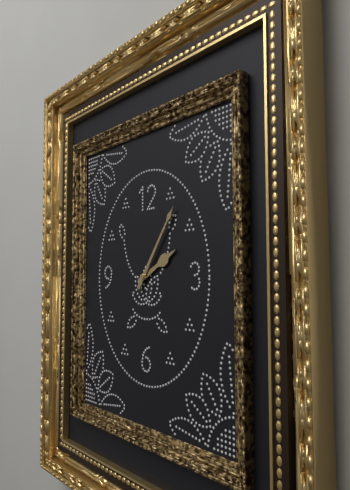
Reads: 2h06
